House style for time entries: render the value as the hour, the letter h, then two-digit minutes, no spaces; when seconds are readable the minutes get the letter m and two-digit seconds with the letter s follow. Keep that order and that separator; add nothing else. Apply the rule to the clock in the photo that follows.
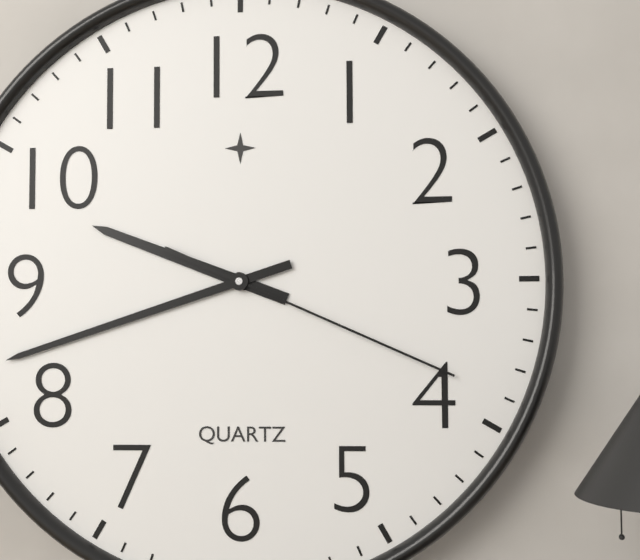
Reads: 9h42m19s
